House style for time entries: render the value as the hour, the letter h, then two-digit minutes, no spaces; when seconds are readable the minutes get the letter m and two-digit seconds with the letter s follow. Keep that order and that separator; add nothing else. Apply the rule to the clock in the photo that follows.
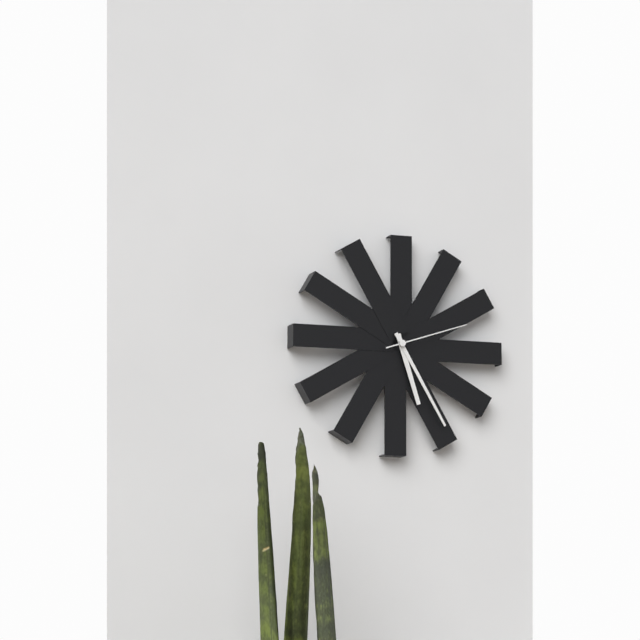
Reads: 5h25m12s
